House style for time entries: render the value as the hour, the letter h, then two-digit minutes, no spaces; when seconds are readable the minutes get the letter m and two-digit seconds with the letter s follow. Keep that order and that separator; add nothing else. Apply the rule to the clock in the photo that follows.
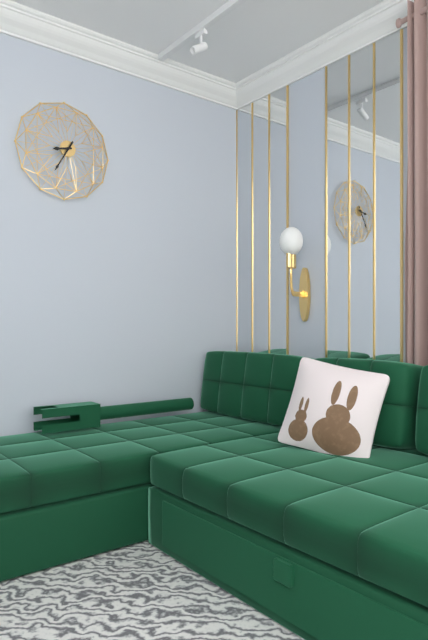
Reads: 8h35
